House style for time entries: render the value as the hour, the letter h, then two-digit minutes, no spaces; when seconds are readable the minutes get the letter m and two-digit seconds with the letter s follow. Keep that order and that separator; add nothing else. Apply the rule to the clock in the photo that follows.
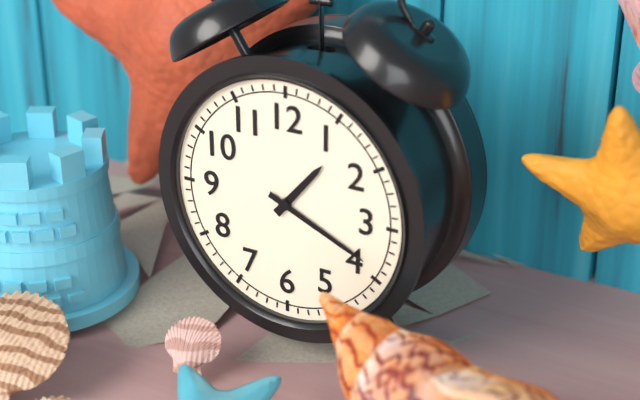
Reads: 1h19
